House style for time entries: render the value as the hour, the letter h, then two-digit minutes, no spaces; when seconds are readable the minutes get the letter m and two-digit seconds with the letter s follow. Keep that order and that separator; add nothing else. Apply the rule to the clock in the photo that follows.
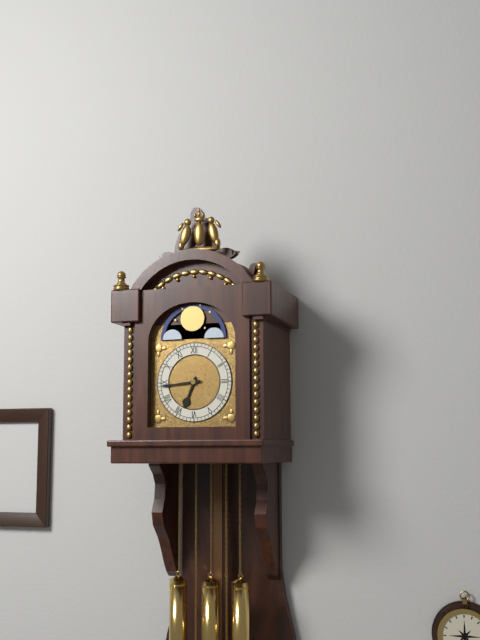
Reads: 6h44
